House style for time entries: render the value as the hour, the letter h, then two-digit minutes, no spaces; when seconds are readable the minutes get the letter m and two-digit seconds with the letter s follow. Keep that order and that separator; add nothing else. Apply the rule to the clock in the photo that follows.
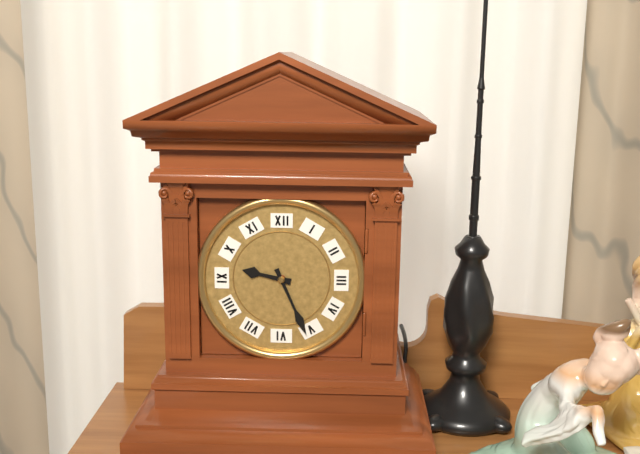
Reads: 9h26
